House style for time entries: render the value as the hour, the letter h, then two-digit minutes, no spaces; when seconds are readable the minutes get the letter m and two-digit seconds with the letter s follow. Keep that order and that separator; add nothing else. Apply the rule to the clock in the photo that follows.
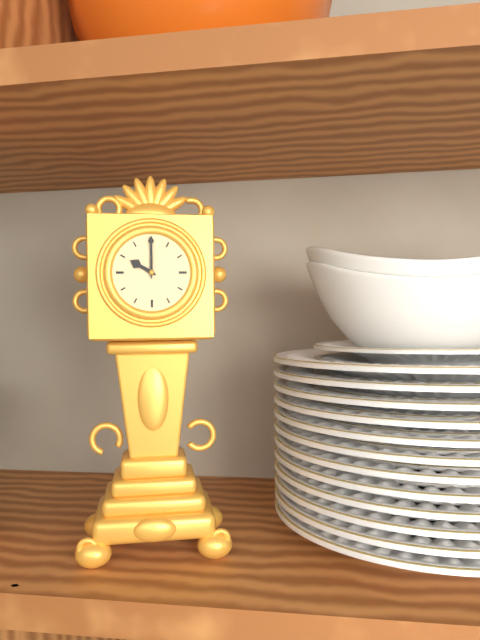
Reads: 10h00
